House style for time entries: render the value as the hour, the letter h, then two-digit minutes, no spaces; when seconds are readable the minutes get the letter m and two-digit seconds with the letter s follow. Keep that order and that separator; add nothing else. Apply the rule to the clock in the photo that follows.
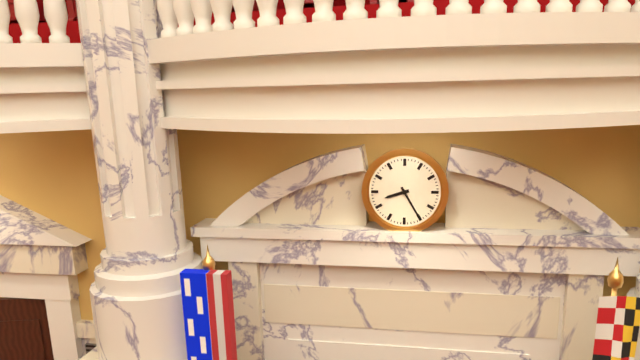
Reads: 8h25
